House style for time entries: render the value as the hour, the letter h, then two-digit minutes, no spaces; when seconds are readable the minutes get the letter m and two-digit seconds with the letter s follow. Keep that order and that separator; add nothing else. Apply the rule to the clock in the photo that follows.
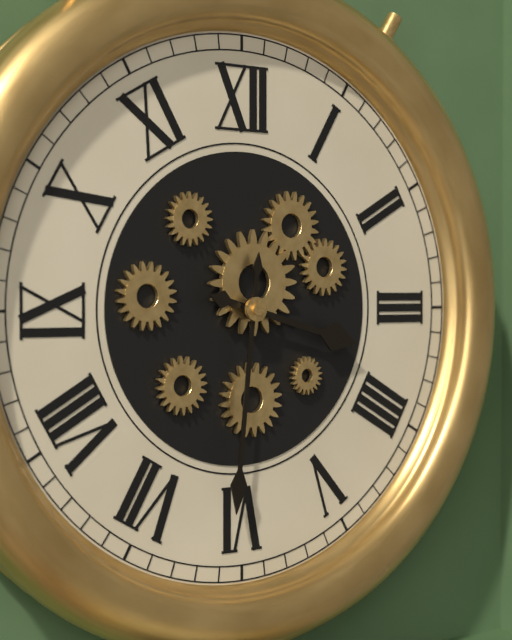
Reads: 3h31
